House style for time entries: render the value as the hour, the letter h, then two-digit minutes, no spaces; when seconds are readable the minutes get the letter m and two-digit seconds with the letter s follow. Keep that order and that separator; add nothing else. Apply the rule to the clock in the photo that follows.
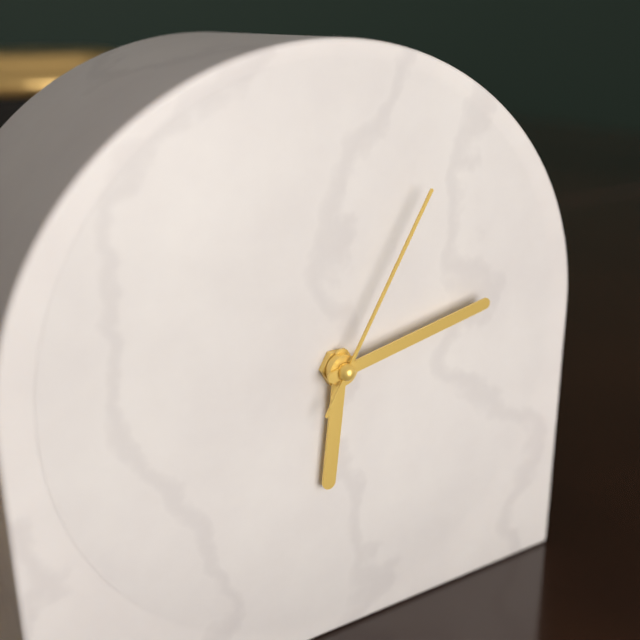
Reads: 6h13m05s
